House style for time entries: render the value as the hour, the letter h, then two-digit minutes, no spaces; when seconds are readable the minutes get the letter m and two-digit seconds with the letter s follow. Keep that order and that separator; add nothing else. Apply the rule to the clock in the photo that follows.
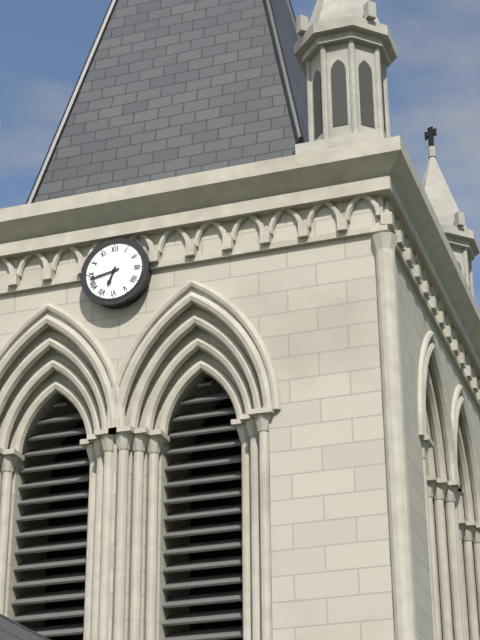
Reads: 6h43
